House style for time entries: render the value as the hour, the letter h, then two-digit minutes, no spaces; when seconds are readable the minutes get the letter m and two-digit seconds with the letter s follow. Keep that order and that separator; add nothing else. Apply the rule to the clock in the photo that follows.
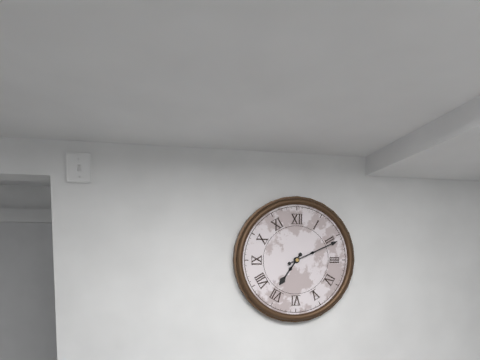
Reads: 7h11
